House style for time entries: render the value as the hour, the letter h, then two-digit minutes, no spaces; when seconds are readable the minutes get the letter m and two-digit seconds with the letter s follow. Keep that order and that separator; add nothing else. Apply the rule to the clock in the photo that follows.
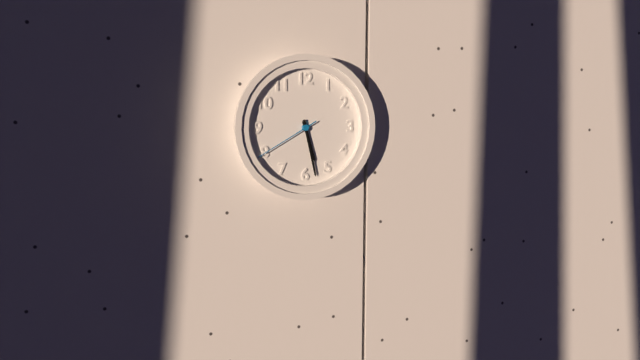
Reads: 5h28m40s
